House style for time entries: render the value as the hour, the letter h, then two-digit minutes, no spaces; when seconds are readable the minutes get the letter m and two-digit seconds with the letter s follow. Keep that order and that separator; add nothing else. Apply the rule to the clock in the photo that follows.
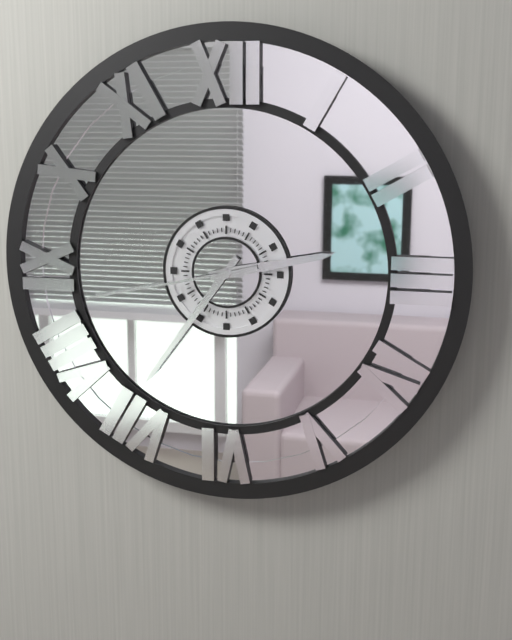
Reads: 2h36m43s
